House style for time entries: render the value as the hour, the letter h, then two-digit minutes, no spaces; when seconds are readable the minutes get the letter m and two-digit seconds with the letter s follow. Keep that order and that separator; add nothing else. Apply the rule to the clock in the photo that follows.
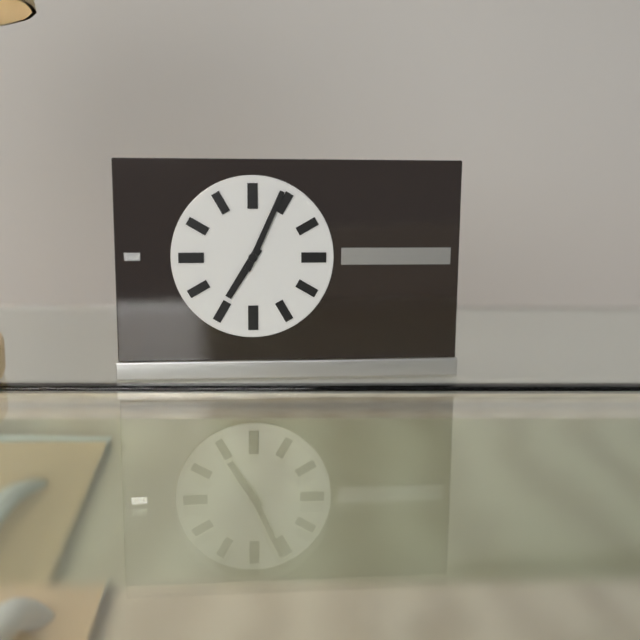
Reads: 7h04
